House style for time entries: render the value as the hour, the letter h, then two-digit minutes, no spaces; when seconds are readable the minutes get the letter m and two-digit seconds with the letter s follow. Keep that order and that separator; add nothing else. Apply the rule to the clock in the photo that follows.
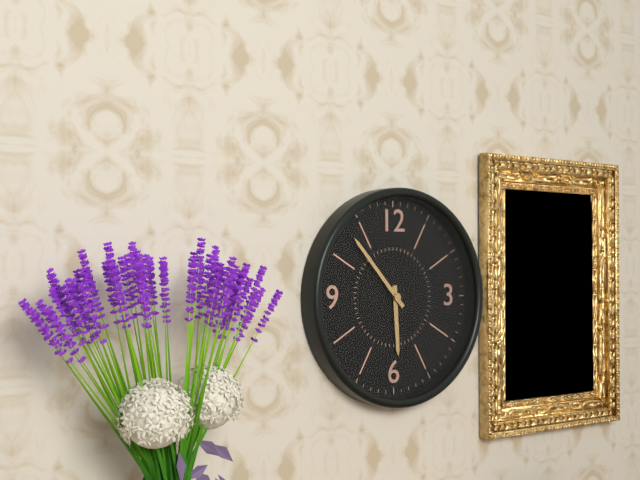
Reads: 5h53
